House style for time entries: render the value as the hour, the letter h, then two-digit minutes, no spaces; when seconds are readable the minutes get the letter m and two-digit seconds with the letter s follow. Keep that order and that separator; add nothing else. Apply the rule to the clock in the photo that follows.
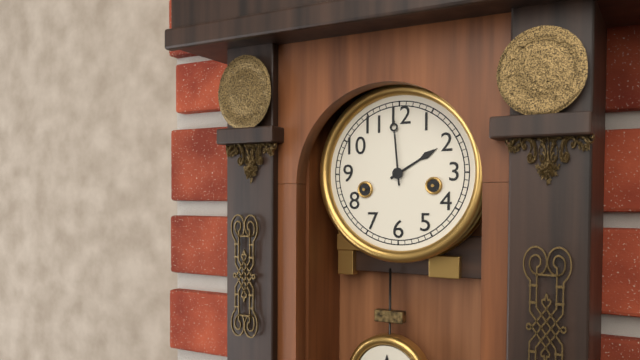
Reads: 1h59
